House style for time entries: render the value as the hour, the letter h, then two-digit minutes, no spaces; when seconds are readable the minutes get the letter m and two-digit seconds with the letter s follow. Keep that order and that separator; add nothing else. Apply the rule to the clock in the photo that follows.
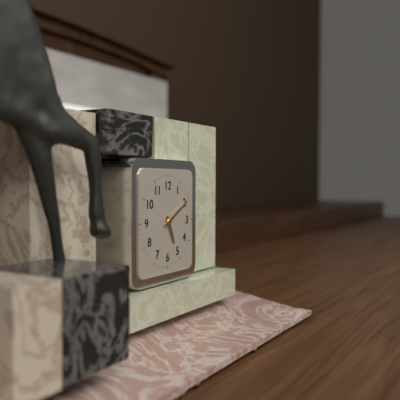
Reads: 5h10
